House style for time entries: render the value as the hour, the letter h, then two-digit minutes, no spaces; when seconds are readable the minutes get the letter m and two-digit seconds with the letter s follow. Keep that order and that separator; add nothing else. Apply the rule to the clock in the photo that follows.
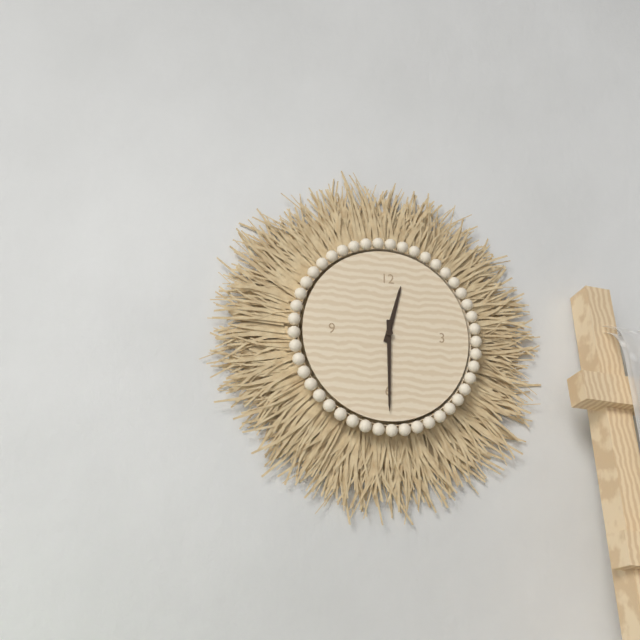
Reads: 12h30
